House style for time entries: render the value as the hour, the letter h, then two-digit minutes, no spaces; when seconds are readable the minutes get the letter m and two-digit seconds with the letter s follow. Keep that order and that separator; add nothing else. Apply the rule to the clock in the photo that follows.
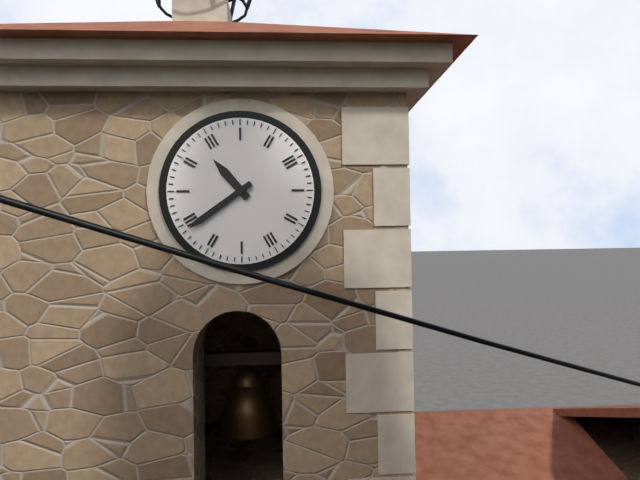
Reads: 10h39
